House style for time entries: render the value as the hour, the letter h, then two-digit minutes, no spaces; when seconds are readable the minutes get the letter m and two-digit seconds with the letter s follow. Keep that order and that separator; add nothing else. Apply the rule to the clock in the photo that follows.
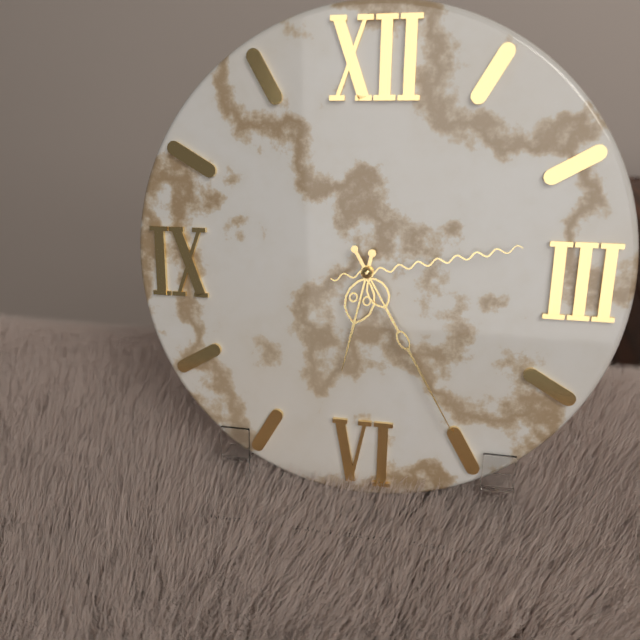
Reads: 6h25m13s
